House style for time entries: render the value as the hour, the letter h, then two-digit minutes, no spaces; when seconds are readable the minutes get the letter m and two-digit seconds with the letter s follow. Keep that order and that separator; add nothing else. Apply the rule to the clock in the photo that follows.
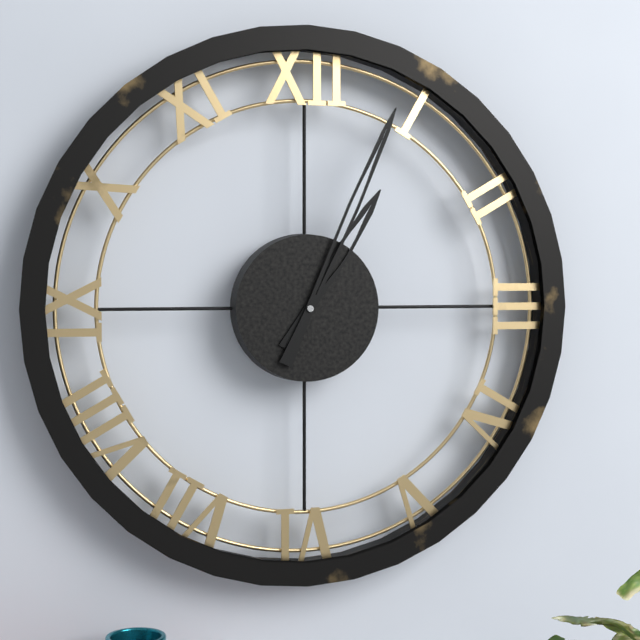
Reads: 1h04
